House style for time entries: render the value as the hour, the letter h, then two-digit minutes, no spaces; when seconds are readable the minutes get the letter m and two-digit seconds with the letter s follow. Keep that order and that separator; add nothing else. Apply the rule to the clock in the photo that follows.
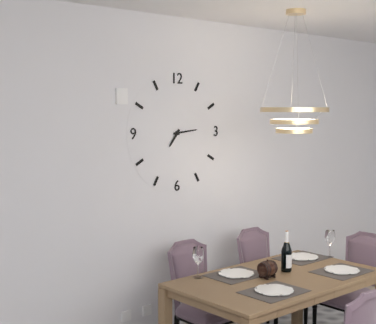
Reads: 7h14
